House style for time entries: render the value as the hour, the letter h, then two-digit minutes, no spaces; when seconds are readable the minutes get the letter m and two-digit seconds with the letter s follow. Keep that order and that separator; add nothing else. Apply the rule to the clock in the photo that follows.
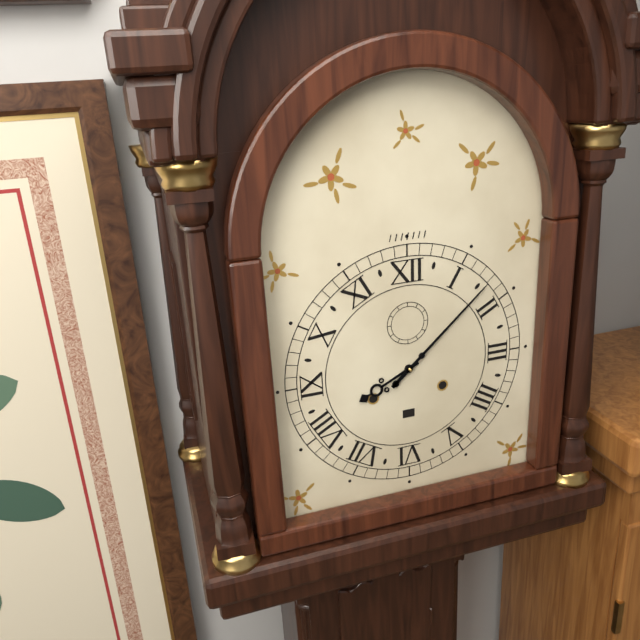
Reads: 8h08
